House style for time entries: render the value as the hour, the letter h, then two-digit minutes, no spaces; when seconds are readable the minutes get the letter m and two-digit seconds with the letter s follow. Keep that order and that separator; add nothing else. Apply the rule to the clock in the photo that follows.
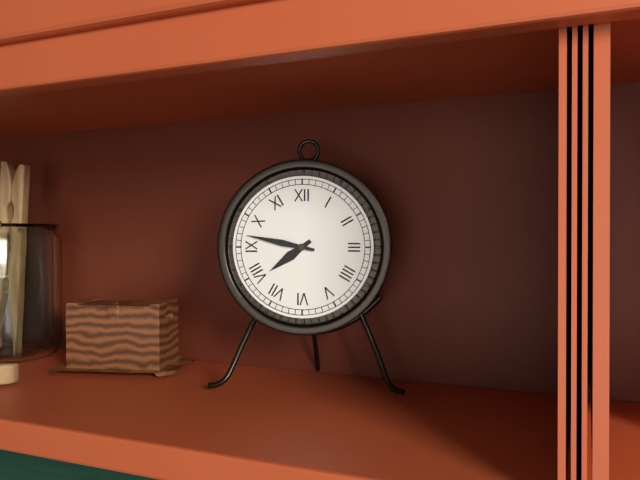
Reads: 7h47
